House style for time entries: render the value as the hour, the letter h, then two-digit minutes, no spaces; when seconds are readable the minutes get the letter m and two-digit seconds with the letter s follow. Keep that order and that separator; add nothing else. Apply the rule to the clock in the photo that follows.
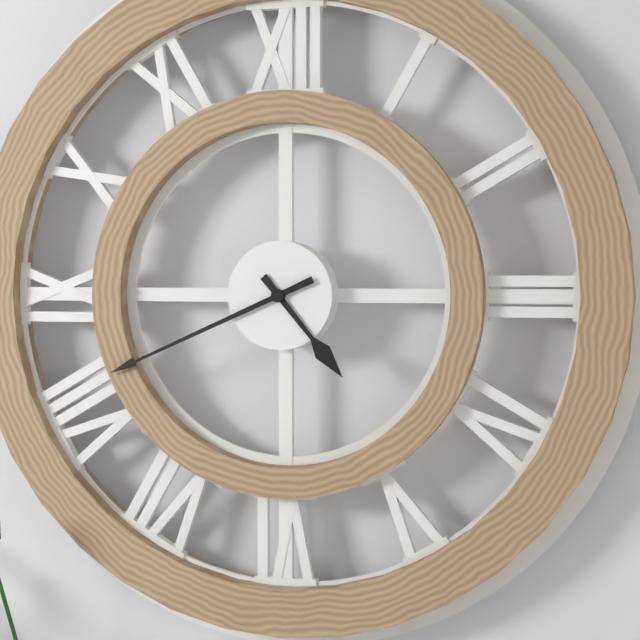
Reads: 4h41
